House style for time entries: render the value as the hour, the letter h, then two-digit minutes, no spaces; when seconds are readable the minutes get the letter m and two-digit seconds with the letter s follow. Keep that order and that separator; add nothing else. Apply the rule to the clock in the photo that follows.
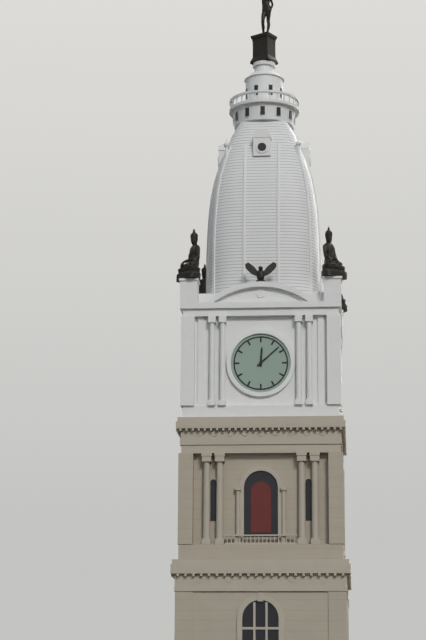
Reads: 12h08
